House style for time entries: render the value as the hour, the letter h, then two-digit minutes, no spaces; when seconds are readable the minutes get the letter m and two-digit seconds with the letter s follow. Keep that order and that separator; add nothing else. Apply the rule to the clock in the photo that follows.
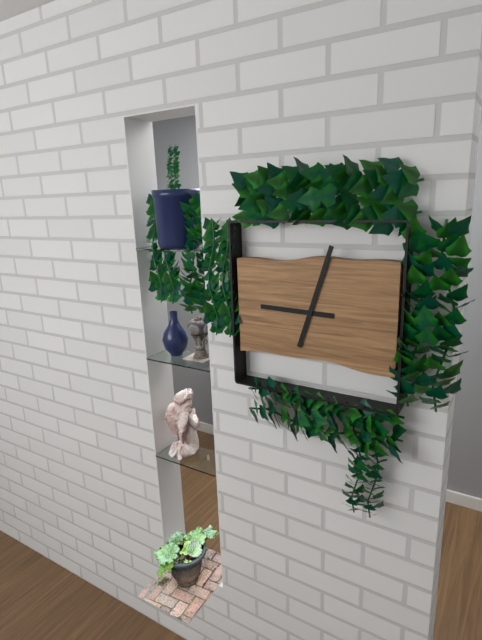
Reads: 9h03
